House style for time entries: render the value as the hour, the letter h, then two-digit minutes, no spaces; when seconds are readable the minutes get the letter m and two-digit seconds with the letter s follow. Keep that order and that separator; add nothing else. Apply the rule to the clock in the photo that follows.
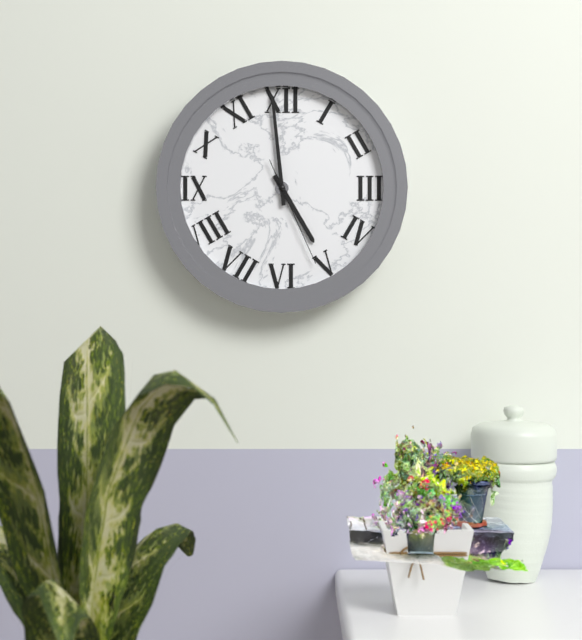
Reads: 4h59m26s
